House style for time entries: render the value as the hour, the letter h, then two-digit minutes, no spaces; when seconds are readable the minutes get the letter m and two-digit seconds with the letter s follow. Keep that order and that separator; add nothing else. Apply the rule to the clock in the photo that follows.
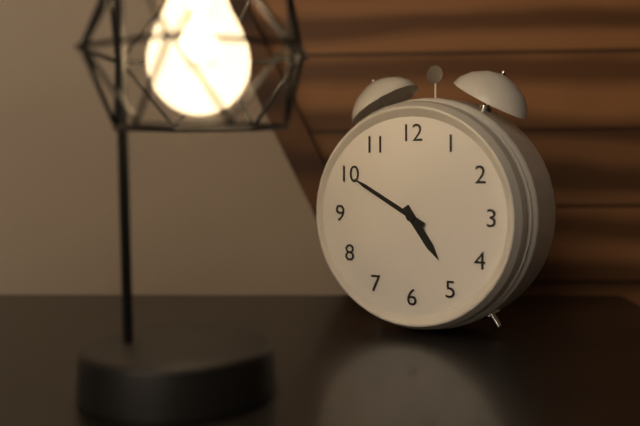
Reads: 4h50
